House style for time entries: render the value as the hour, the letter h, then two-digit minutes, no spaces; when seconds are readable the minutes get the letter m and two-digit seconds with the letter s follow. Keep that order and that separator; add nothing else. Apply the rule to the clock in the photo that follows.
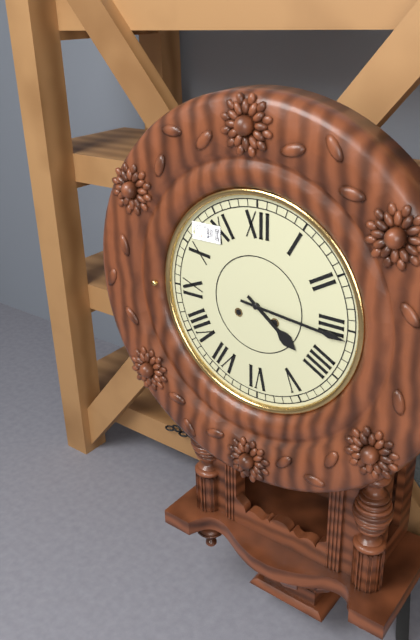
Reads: 4h16
